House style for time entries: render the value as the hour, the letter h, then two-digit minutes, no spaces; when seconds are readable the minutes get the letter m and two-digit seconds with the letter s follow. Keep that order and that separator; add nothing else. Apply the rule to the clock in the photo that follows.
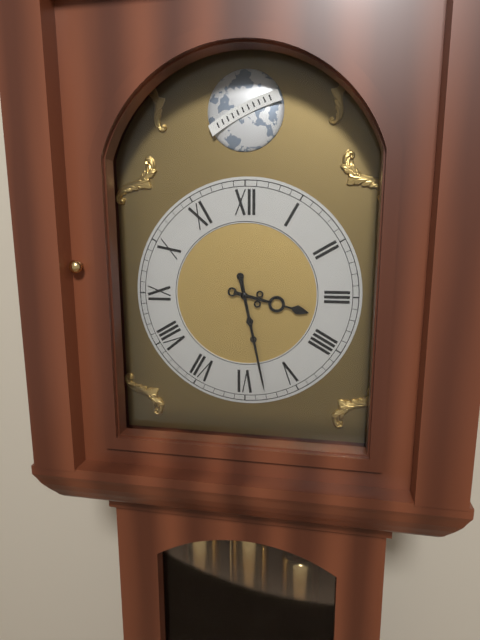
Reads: 3h28
